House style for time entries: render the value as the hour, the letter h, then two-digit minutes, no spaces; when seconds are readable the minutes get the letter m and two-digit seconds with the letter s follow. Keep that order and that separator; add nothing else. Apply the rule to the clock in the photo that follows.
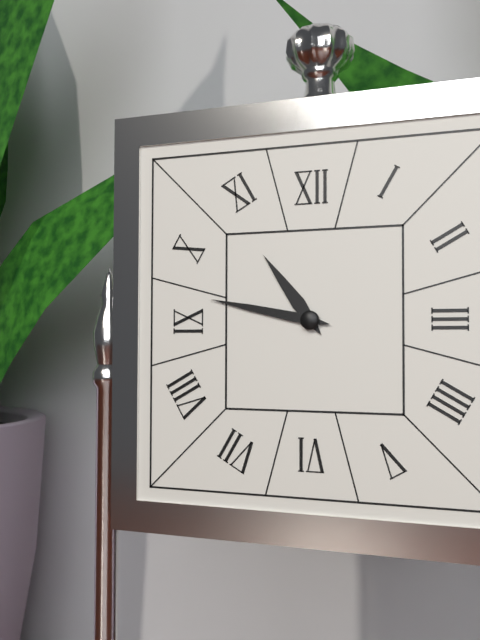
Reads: 10h47
